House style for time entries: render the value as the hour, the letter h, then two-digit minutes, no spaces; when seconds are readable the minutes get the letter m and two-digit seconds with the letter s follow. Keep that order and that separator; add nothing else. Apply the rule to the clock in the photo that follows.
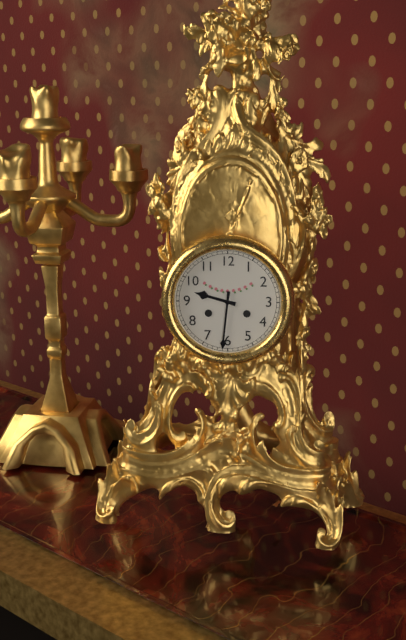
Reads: 9h31
